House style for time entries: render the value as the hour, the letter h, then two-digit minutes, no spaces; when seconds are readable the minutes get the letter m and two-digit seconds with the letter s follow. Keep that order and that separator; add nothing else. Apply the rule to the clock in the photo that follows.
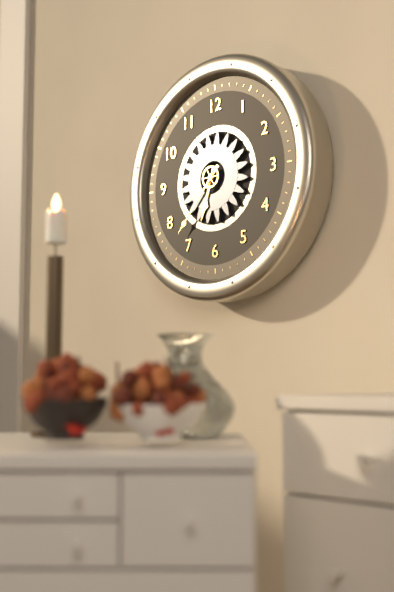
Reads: 6h37
